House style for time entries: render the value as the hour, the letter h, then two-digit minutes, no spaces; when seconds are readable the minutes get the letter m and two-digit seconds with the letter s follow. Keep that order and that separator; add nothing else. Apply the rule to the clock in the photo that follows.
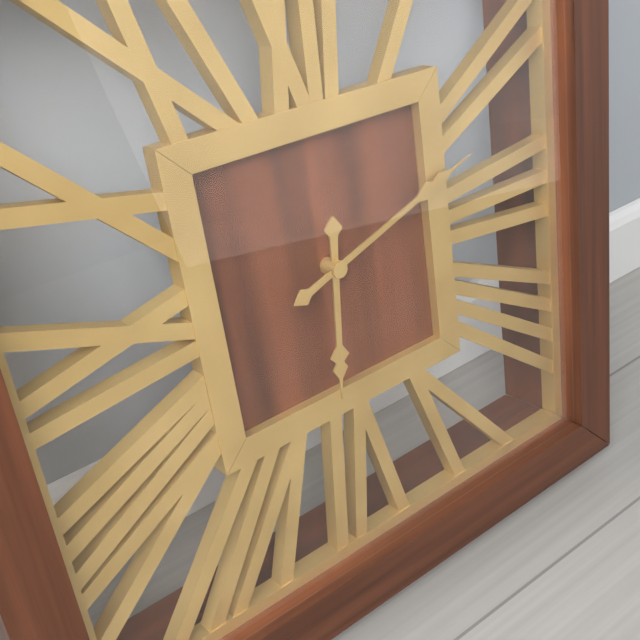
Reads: 6h12
